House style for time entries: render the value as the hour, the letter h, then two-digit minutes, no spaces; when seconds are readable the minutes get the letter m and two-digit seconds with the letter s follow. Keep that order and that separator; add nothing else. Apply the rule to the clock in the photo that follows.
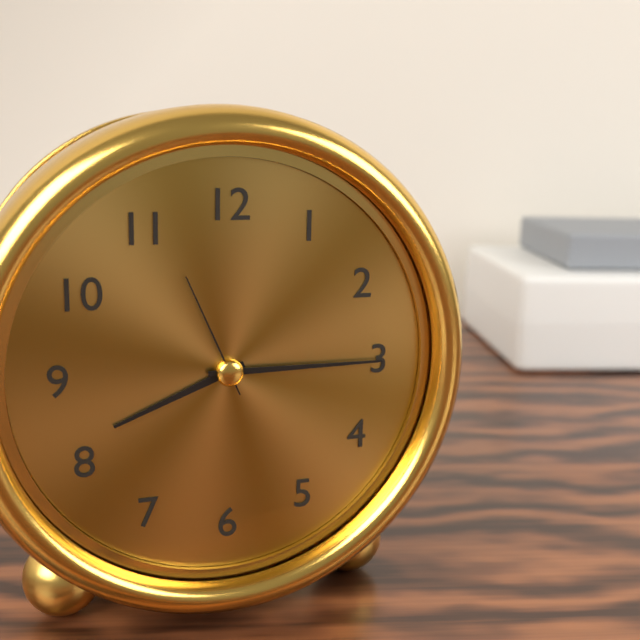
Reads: 8h15m56s
